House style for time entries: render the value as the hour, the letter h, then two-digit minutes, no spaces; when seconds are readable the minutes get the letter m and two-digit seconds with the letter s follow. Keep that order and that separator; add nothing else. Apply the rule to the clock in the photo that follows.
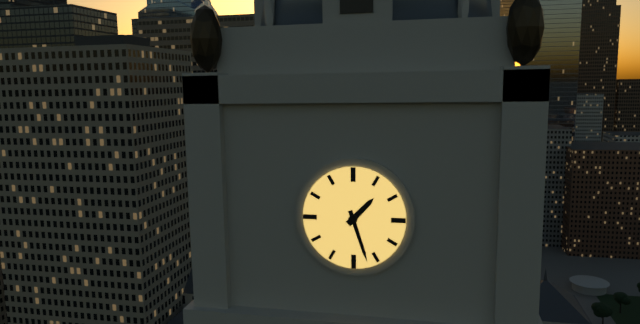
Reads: 1h27
